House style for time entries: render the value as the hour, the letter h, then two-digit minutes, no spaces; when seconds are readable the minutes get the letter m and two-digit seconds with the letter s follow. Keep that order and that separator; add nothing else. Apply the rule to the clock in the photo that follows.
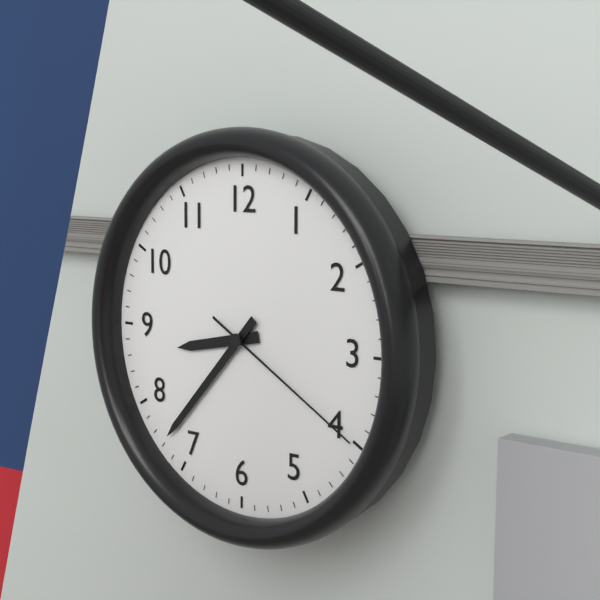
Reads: 8h37m20s
